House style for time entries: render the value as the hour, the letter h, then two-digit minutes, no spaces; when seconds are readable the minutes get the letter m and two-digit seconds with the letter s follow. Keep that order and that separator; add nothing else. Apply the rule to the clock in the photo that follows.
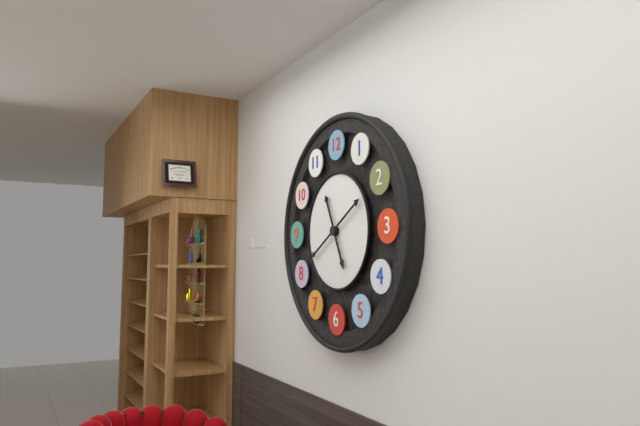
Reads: 5h10
